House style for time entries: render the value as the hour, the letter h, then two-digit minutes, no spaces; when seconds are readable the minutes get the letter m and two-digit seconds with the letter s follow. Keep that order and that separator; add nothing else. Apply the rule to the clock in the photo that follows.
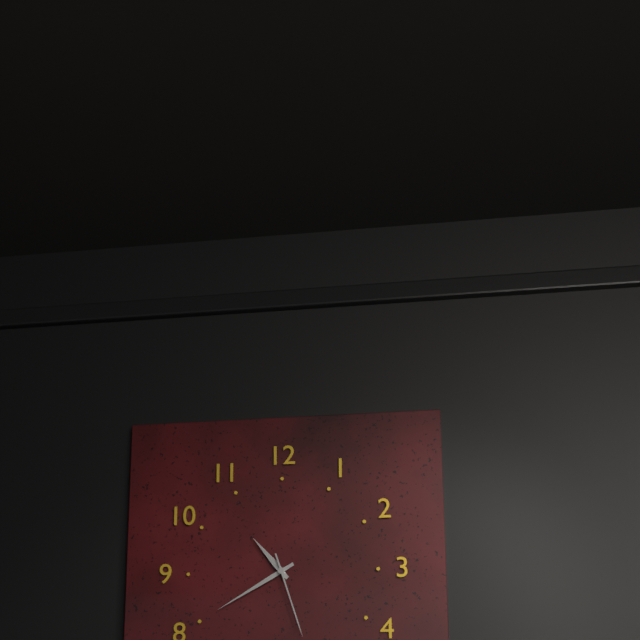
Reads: 10h40m27s
